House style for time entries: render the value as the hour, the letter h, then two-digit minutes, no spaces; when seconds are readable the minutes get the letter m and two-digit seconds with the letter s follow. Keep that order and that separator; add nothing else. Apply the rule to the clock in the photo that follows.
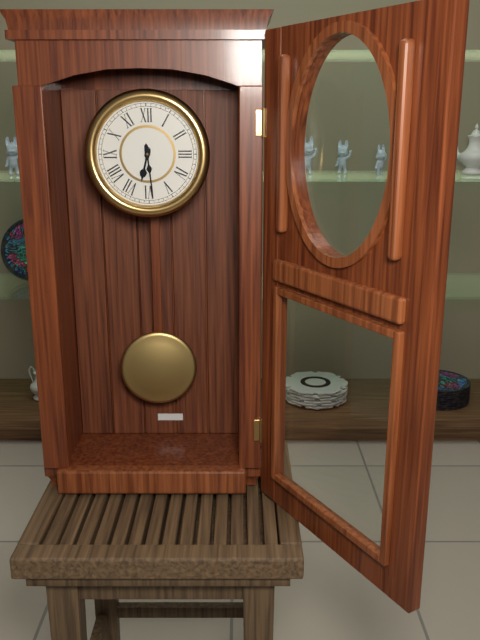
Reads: 6h29
